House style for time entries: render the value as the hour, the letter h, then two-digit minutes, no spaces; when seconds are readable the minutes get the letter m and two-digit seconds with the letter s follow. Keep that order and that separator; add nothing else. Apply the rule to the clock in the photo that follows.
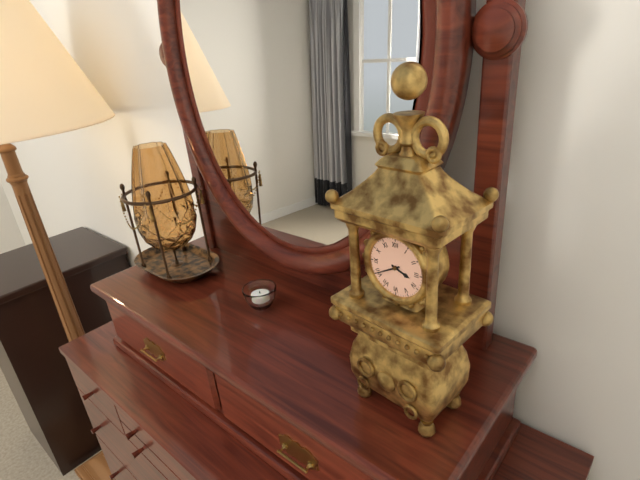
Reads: 3h40
